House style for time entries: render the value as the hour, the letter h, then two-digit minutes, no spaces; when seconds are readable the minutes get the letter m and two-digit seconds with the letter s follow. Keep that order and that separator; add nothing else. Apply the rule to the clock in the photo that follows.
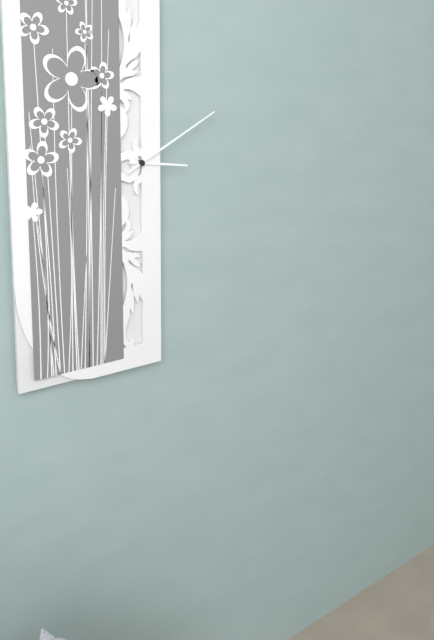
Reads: 3h10
